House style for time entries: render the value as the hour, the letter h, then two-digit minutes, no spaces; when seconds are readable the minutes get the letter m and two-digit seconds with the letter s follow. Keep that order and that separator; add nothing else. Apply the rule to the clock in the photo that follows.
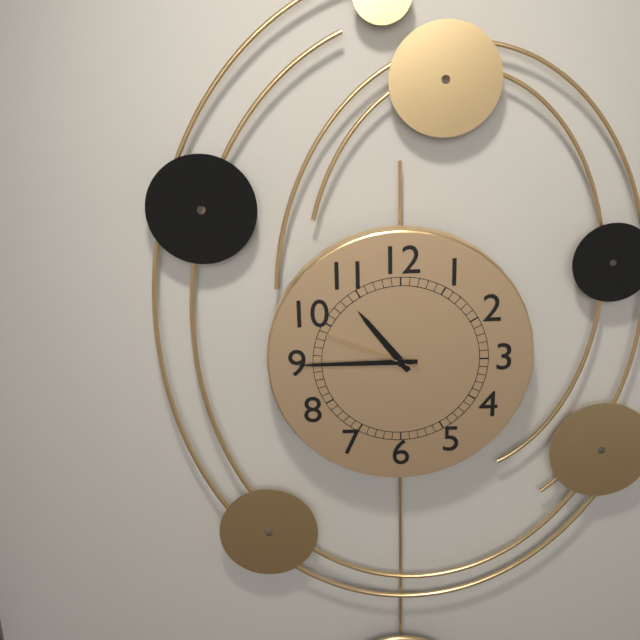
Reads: 10h45m49s
